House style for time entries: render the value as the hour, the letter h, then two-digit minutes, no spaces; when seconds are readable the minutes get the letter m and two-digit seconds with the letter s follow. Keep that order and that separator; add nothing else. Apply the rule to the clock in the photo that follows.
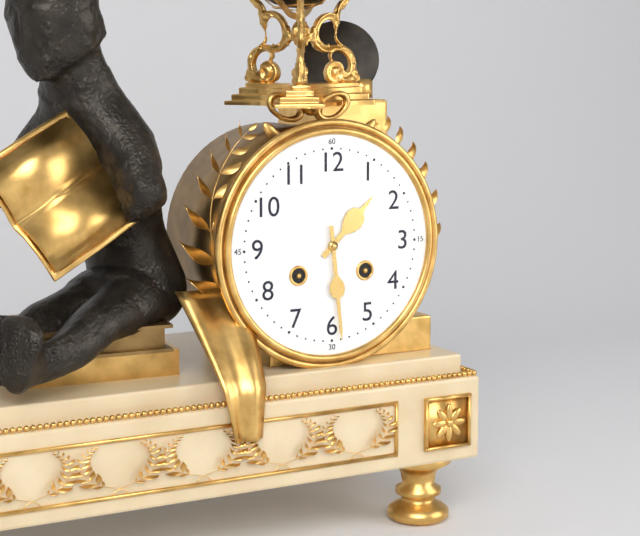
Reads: 1h29
